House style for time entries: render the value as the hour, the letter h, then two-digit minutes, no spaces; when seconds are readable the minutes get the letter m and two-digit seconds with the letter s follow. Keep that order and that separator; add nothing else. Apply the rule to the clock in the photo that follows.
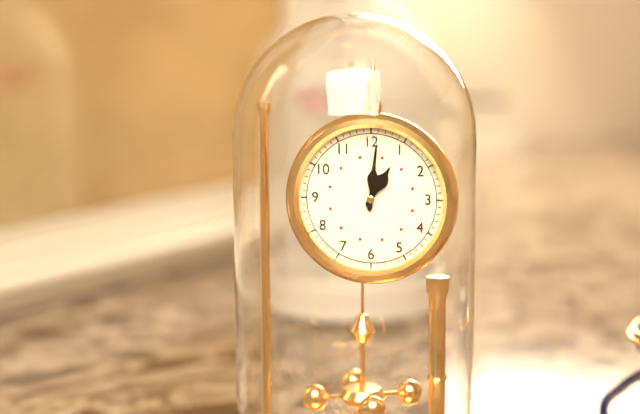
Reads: 1h01
